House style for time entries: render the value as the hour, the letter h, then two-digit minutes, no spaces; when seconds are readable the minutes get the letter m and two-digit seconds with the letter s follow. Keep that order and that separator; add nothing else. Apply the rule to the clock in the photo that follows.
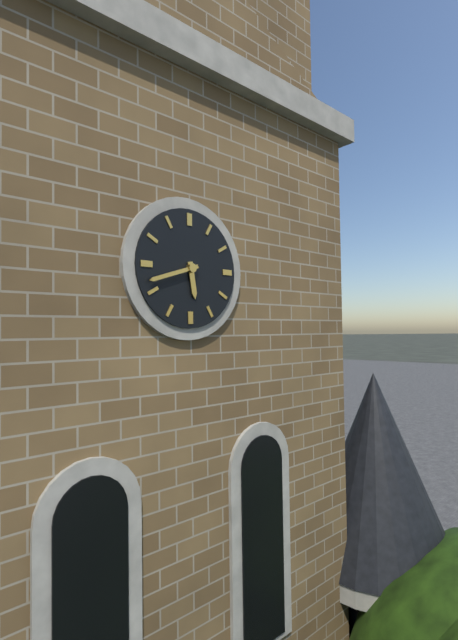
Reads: 5h42
